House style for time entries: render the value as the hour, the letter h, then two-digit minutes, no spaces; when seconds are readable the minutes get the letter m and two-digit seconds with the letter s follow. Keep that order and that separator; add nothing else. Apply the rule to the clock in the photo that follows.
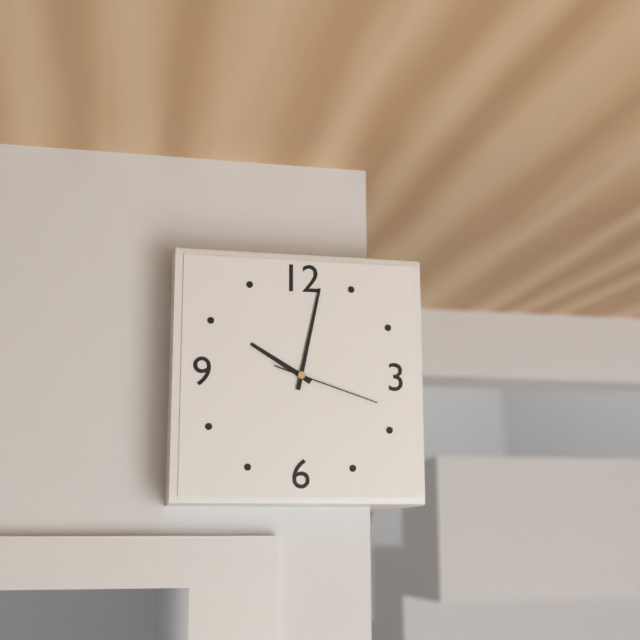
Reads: 10h02m18s
